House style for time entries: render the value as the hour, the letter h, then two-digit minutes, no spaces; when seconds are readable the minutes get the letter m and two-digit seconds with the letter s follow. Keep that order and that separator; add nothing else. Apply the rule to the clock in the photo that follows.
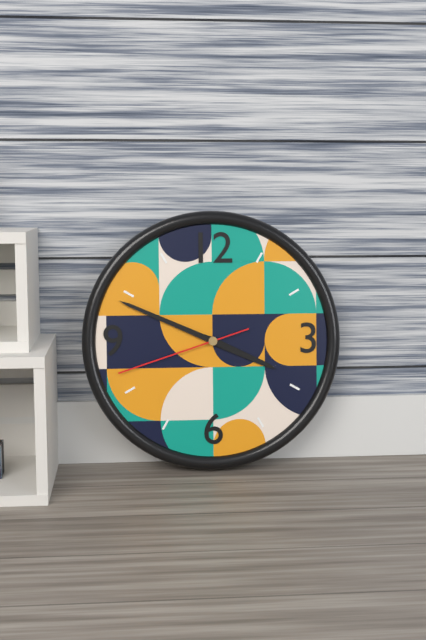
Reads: 3h49m42s
